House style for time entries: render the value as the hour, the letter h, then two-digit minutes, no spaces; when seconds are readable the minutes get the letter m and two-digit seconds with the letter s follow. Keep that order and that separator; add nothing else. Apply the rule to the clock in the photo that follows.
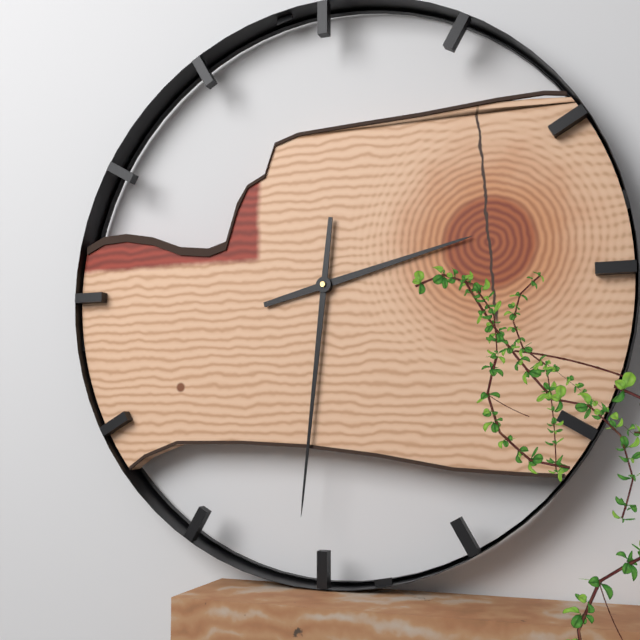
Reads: 2h31
